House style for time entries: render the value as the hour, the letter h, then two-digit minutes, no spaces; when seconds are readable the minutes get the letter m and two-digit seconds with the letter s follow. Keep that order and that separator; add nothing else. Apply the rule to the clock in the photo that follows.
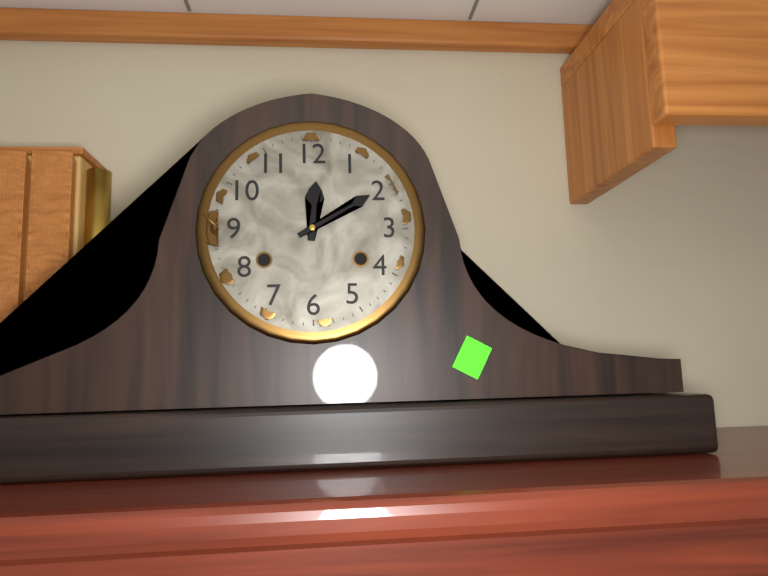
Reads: 12h10
